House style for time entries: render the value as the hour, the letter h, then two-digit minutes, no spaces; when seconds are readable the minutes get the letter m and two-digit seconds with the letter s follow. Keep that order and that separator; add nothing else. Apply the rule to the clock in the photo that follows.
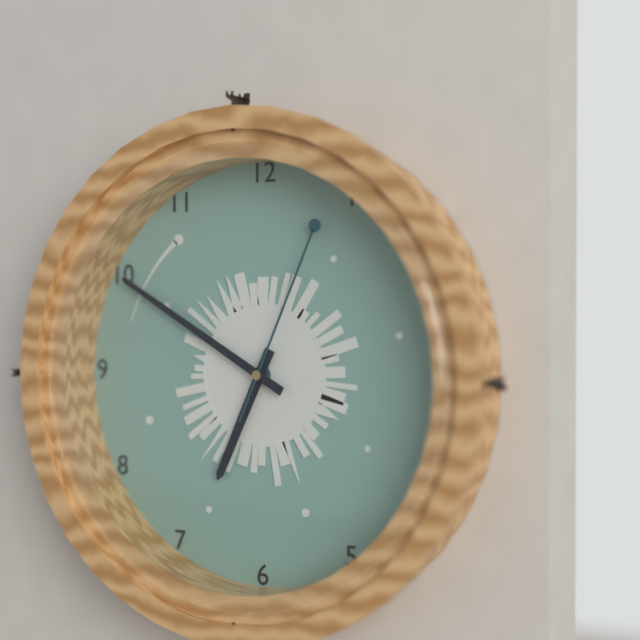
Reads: 6h50m04s
